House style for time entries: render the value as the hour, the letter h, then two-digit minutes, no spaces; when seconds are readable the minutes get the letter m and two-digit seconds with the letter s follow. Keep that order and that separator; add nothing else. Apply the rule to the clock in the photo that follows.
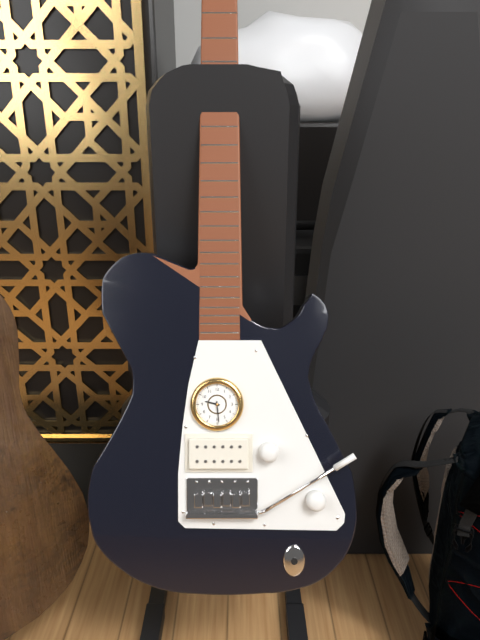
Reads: 9h29
